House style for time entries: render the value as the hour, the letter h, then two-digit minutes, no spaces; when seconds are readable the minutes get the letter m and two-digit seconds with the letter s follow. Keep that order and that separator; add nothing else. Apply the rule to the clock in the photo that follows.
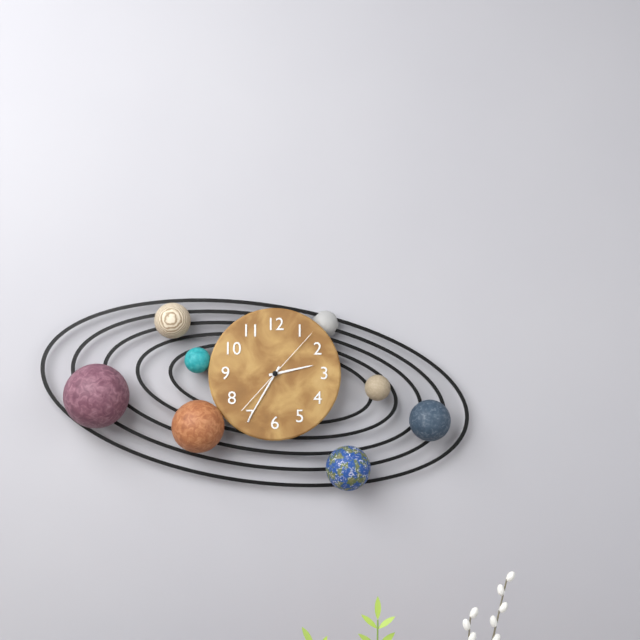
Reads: 2h35m07s
